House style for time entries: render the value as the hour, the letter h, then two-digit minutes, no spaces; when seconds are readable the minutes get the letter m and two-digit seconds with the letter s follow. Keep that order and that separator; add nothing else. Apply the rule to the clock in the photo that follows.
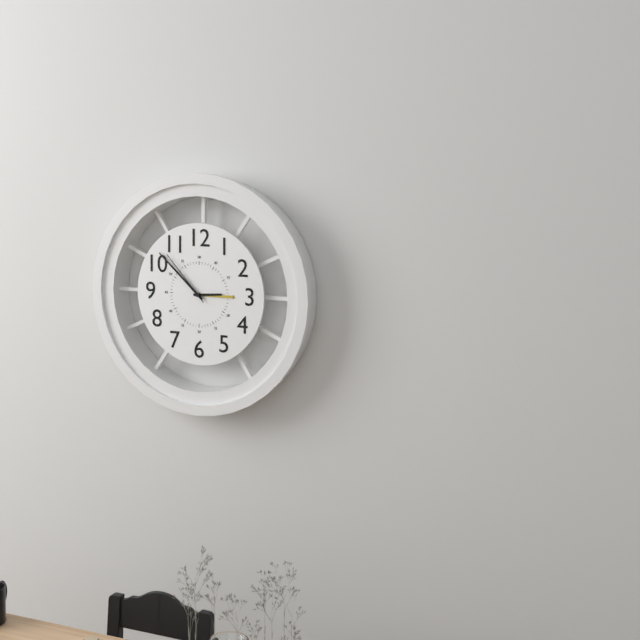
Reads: 2h52m53s
